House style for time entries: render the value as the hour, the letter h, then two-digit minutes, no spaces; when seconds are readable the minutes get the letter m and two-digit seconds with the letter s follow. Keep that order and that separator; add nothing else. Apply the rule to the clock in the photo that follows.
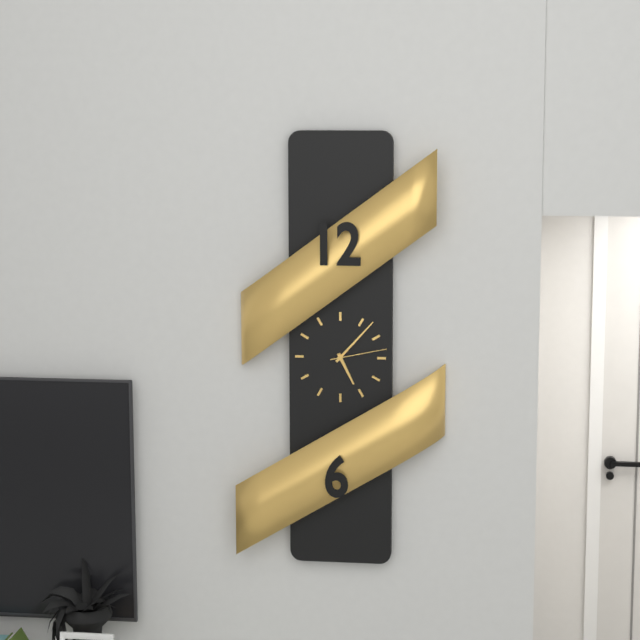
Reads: 5h07m13s
